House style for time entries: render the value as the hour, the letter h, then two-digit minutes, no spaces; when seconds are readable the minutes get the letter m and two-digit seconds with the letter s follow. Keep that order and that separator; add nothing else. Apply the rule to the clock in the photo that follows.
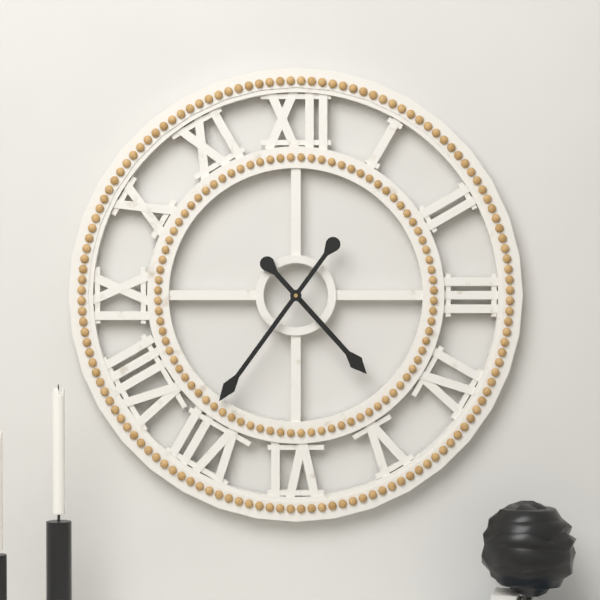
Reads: 4h36
